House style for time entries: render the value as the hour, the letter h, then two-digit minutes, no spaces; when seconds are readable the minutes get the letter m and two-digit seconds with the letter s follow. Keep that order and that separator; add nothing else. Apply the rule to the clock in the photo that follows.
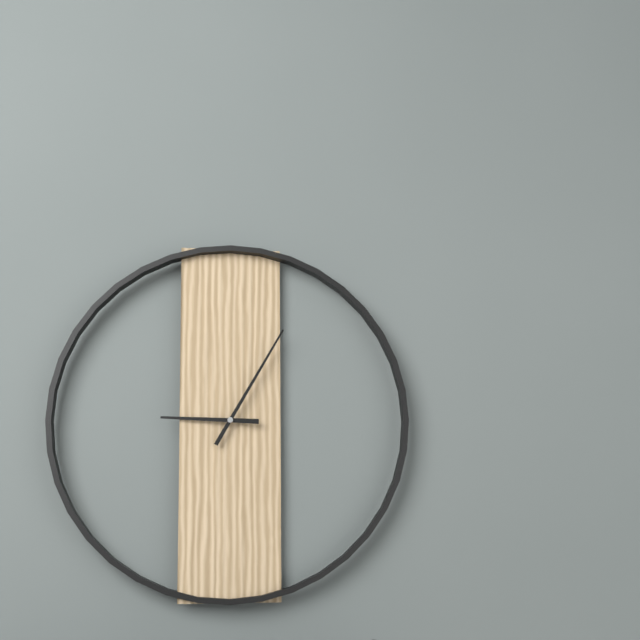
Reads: 9h05
